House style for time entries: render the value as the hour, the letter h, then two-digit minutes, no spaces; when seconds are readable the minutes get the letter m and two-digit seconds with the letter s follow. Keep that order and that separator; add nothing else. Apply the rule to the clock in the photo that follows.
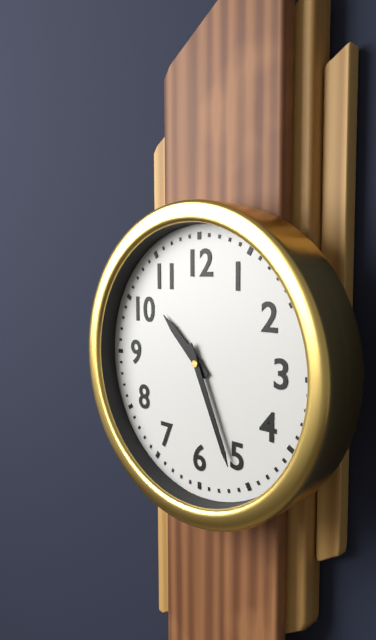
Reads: 10h26
